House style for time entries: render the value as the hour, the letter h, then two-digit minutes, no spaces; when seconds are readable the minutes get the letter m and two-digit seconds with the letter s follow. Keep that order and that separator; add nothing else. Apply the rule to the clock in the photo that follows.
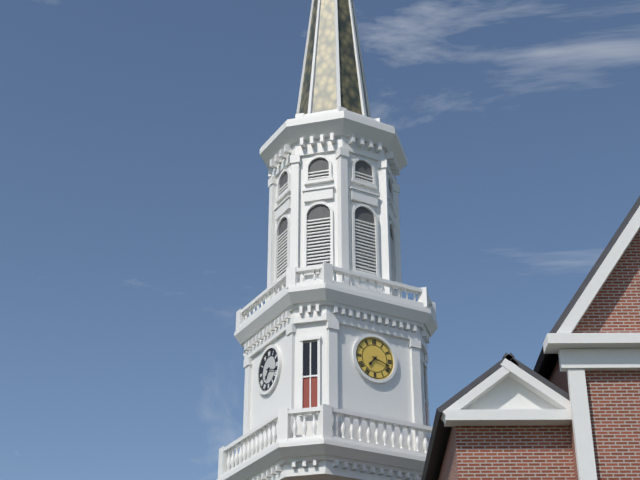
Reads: 7h18
